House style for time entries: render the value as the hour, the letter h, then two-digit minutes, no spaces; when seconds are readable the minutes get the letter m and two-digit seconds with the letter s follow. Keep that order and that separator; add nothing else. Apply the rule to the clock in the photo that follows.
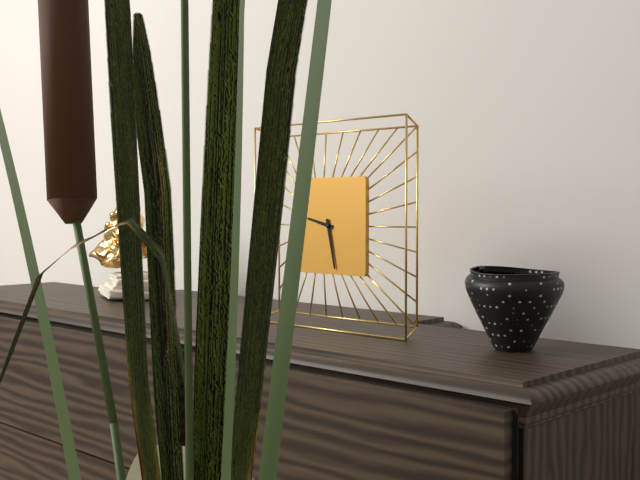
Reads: 9h28
